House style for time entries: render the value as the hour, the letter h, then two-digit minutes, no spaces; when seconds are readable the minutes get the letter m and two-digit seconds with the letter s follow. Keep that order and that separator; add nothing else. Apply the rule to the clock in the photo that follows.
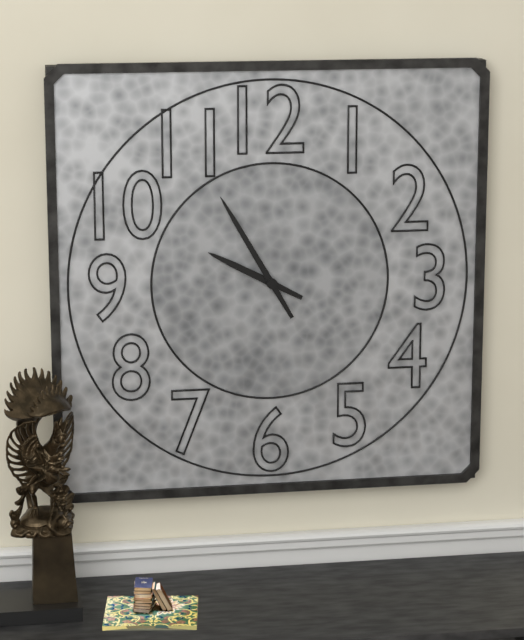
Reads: 9h55
